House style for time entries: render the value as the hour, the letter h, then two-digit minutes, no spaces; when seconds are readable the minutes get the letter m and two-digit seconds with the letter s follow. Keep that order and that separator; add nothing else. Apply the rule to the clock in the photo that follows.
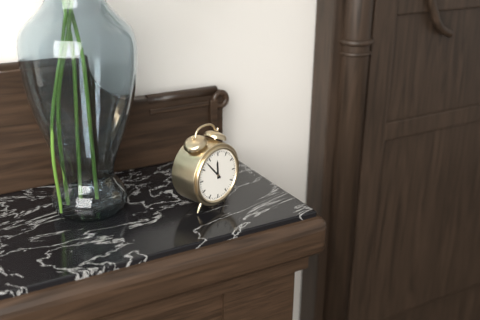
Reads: 11h53
